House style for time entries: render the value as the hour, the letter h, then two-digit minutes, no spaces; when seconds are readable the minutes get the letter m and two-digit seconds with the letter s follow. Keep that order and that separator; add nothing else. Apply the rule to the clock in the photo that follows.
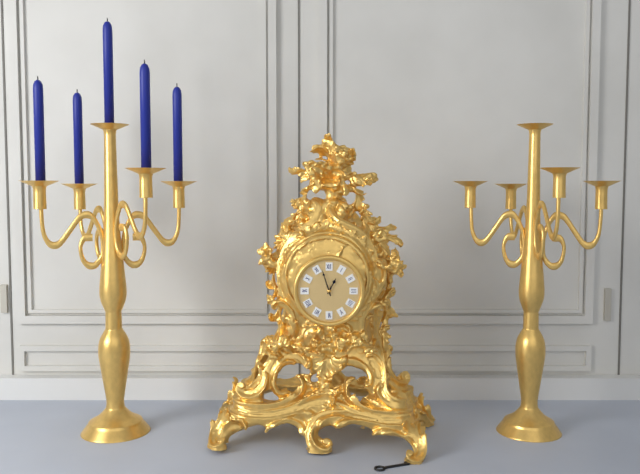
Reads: 12h57
